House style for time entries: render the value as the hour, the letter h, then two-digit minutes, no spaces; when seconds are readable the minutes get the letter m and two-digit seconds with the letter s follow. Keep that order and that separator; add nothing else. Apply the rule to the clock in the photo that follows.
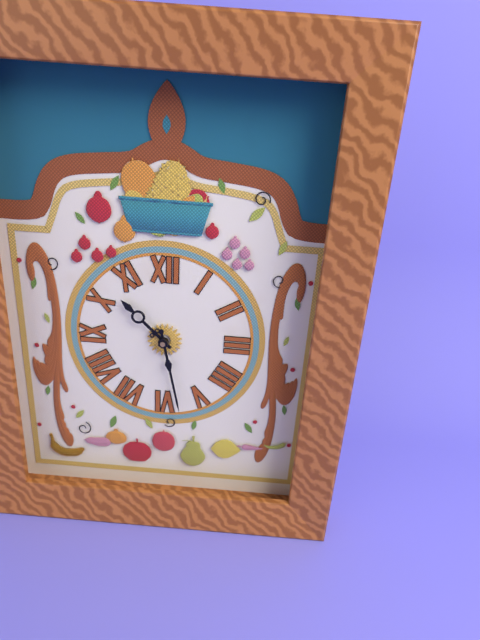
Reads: 10h28
